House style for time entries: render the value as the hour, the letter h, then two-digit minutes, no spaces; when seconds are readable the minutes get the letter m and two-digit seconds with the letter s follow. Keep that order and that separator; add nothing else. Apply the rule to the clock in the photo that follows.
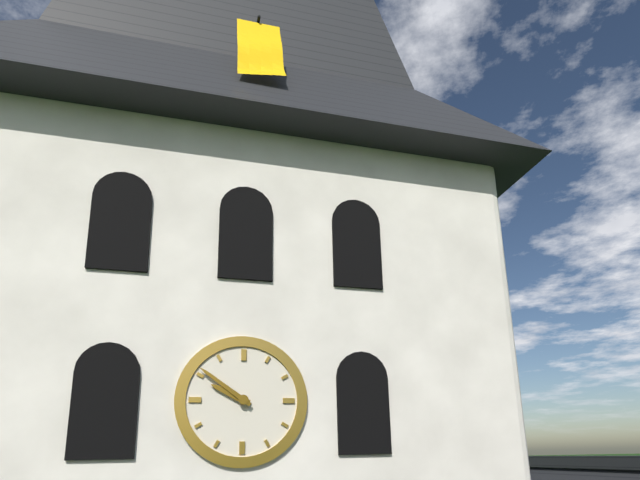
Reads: 9h51
